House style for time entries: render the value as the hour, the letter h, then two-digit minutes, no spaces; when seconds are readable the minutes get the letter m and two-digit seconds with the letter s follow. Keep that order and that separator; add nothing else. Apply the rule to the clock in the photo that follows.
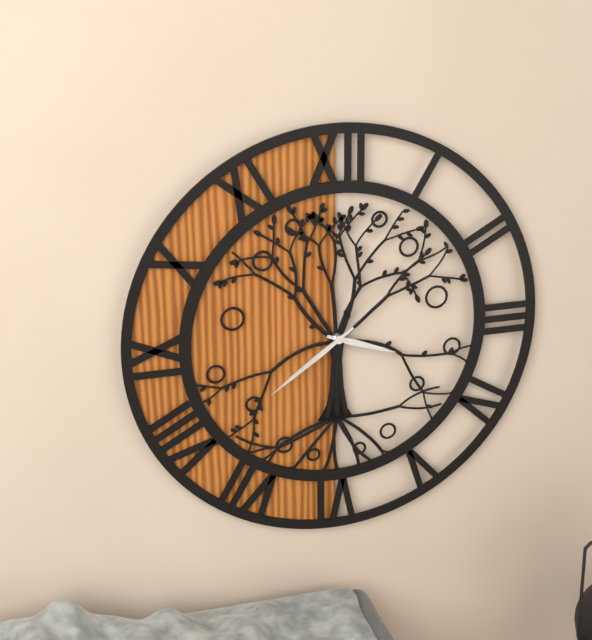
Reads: 3h39
